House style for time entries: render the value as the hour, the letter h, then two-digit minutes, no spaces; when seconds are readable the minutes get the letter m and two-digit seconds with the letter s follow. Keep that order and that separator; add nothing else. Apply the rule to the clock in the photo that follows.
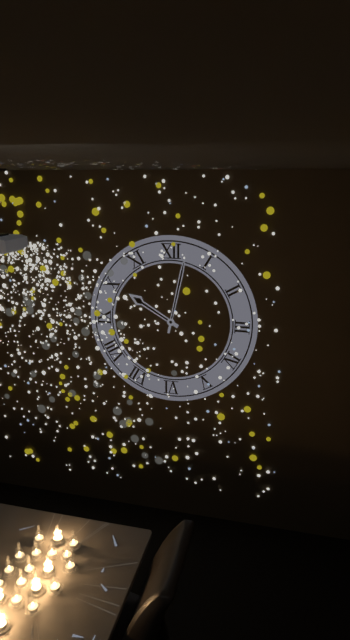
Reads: 10h02
